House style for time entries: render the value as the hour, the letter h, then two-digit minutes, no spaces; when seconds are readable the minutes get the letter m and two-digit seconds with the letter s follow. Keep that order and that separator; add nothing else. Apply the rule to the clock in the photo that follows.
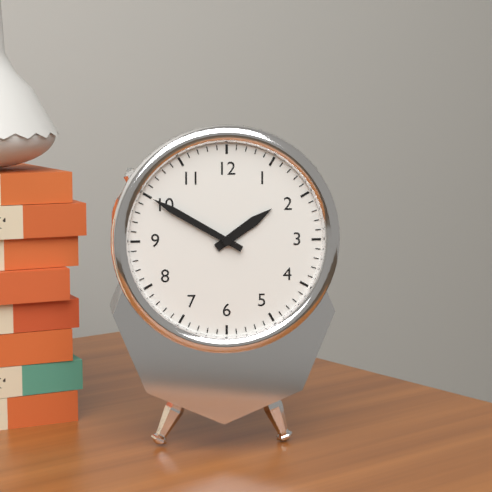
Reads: 1h50
